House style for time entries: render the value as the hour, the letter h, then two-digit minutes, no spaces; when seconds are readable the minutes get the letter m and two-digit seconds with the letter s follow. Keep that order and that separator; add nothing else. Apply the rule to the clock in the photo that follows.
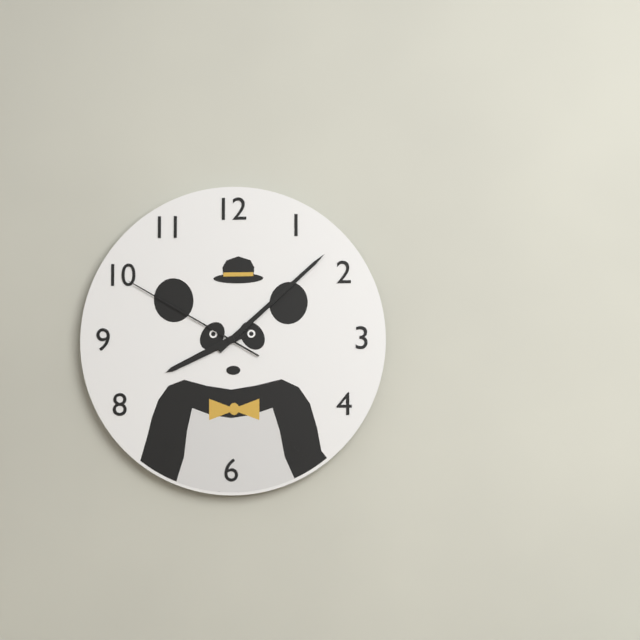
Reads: 8h08m50s
